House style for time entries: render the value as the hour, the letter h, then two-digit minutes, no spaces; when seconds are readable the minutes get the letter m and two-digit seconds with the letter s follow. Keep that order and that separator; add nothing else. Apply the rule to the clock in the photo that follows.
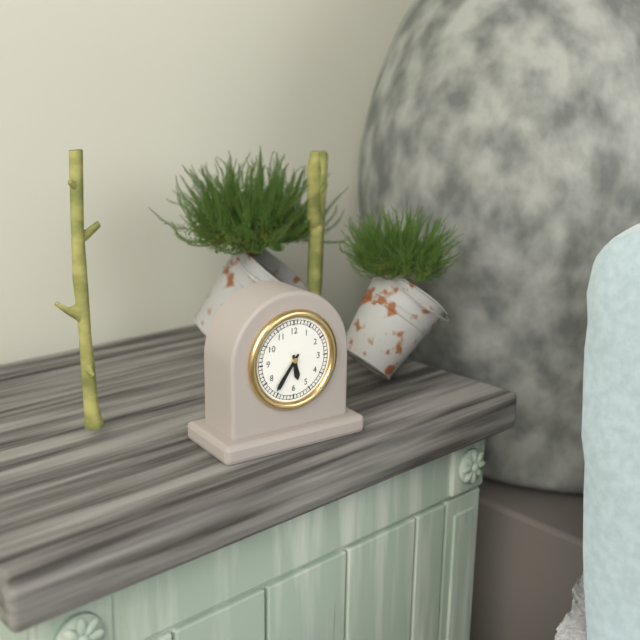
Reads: 5h36
